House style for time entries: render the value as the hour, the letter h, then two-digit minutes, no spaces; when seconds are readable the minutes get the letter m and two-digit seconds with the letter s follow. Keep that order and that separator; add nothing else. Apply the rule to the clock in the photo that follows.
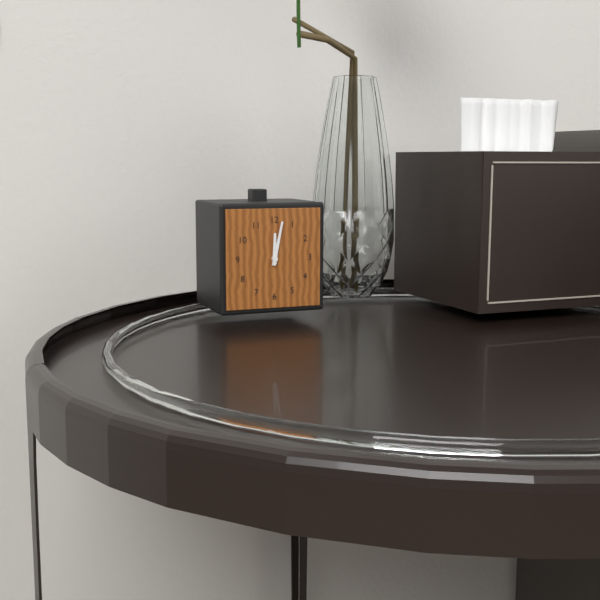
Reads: 12h02
